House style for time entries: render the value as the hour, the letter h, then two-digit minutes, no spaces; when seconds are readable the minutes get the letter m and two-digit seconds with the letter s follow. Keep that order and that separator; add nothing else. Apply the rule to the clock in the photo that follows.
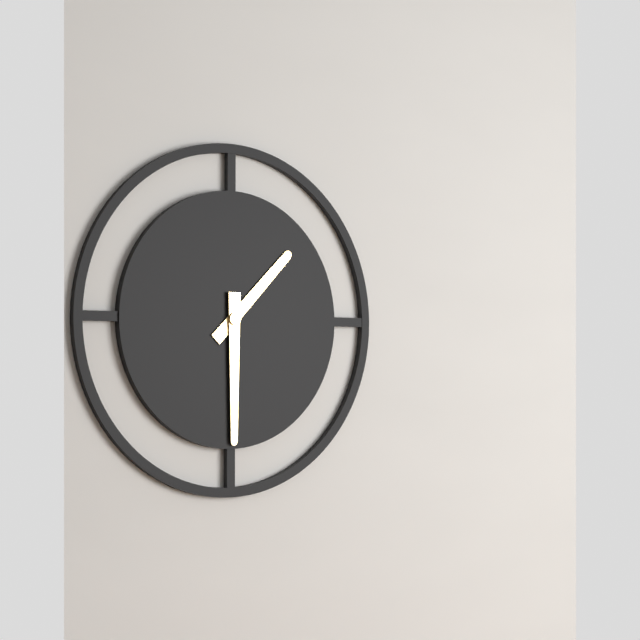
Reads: 1h30
